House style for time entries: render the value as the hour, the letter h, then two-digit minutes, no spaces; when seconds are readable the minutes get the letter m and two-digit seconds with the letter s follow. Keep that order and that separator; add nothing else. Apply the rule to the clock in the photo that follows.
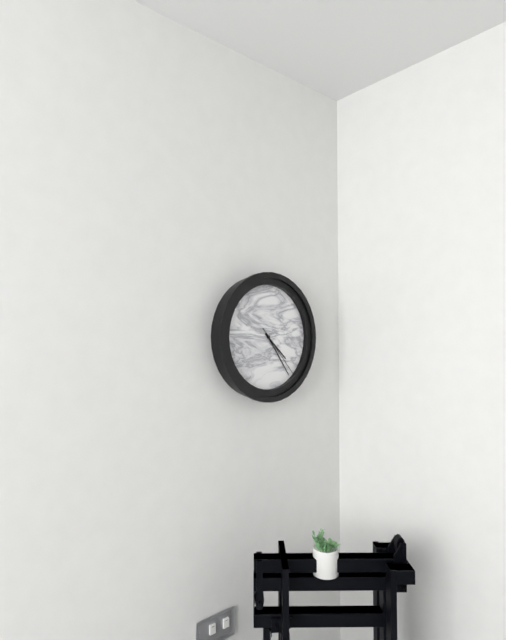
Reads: 4h24m23s
